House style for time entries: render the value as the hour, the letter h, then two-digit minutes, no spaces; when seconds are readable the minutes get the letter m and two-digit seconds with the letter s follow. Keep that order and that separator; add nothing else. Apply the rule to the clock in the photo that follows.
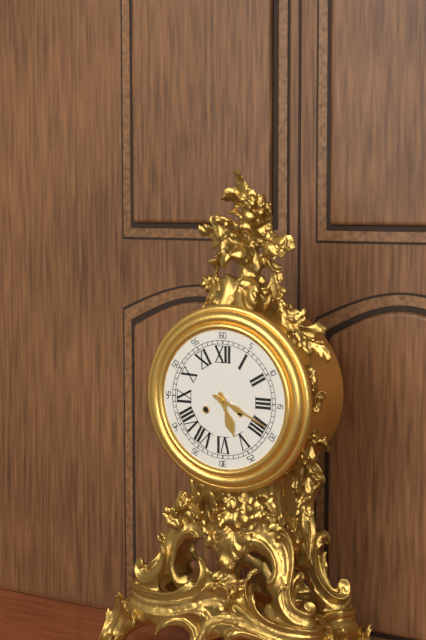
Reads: 5h19
